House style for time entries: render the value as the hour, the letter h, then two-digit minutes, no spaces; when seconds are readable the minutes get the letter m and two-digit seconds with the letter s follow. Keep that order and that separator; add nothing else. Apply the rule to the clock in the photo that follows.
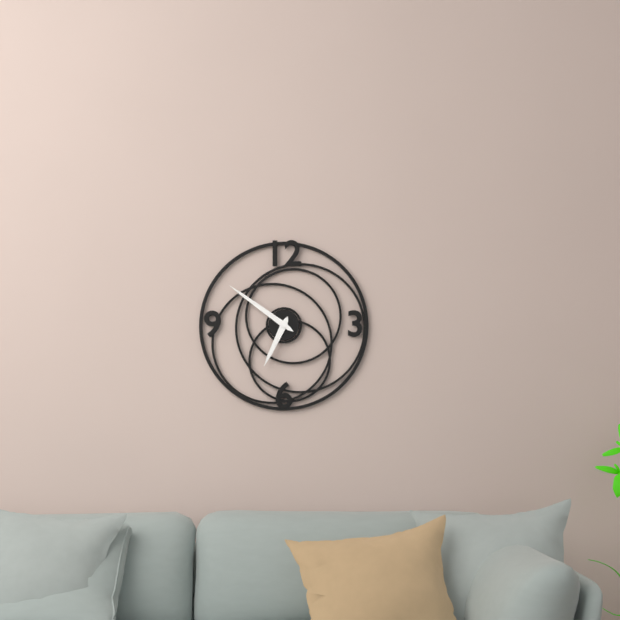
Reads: 6h51
